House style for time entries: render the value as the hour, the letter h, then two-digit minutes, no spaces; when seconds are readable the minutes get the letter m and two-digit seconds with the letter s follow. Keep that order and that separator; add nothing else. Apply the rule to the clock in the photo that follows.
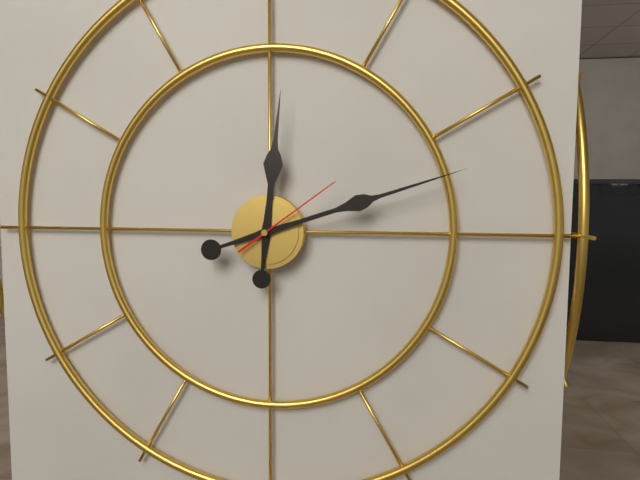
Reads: 12h12m09s
